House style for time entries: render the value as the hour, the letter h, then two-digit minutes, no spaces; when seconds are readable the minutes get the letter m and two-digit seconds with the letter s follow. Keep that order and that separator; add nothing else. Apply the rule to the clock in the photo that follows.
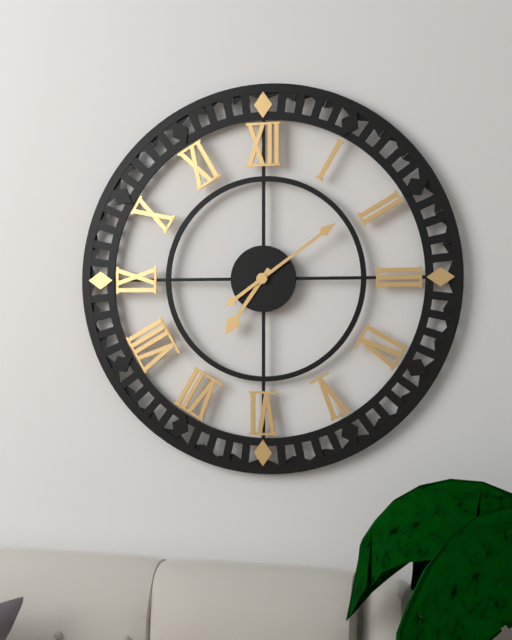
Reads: 7h09
